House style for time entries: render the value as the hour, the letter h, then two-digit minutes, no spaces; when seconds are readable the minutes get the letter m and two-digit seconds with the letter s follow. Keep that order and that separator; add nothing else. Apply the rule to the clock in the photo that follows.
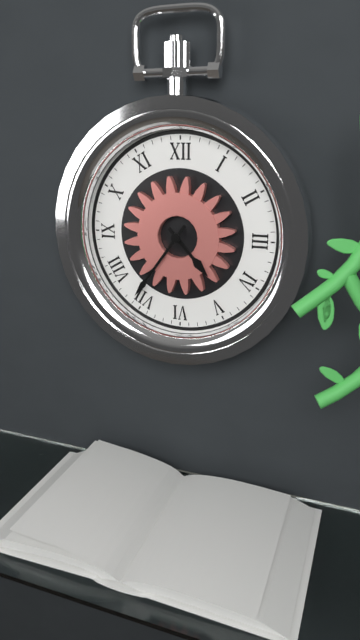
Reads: 4h36
